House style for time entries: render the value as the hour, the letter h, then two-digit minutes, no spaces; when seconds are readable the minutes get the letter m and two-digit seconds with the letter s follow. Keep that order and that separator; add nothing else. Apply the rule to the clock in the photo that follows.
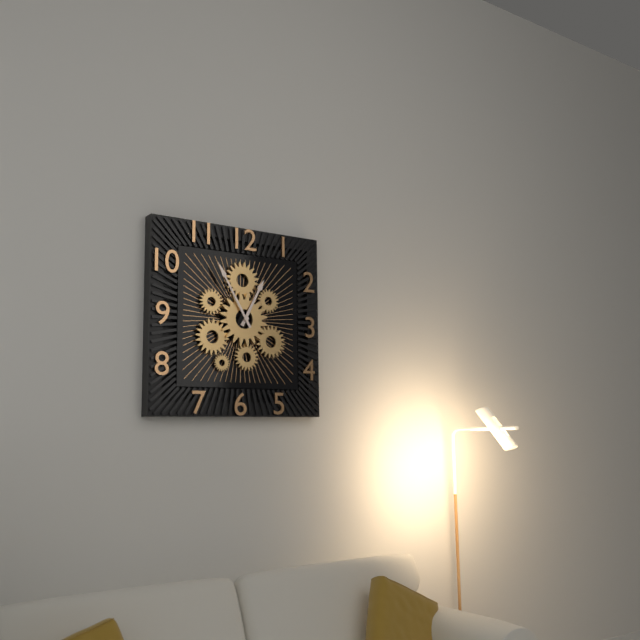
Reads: 12h55
